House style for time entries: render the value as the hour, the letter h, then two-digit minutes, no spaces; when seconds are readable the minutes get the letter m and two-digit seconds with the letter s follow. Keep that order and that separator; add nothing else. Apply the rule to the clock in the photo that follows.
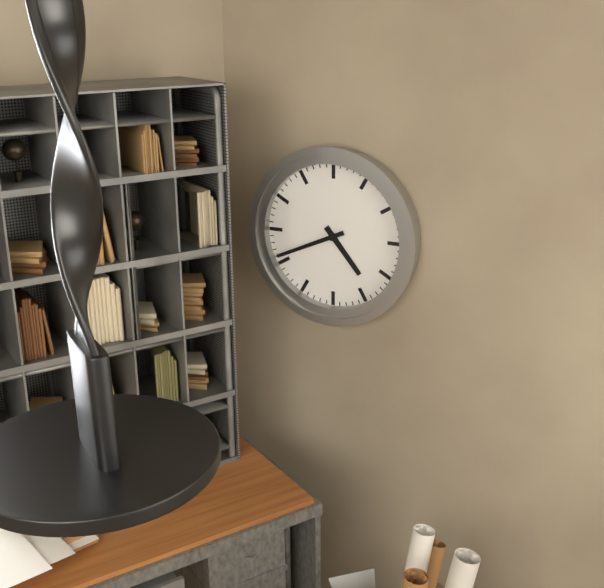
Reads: 4h41
